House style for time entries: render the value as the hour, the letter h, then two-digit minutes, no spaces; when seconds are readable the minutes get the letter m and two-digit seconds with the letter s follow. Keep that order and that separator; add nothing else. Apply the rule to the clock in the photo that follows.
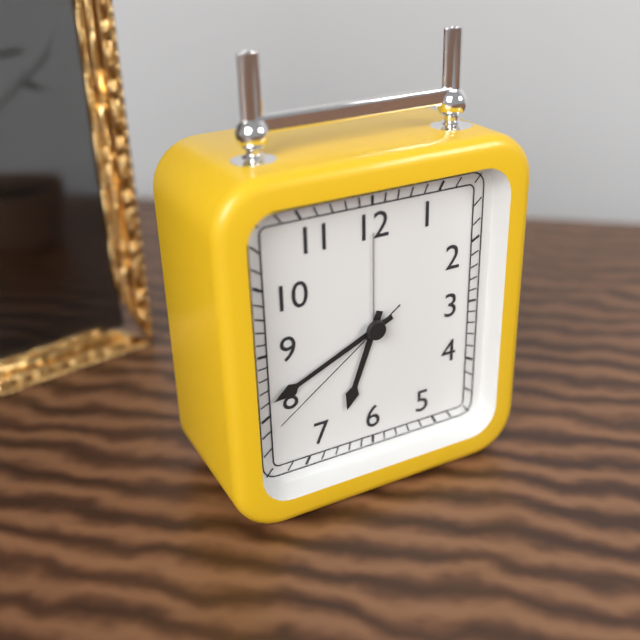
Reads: 6h41m39s
